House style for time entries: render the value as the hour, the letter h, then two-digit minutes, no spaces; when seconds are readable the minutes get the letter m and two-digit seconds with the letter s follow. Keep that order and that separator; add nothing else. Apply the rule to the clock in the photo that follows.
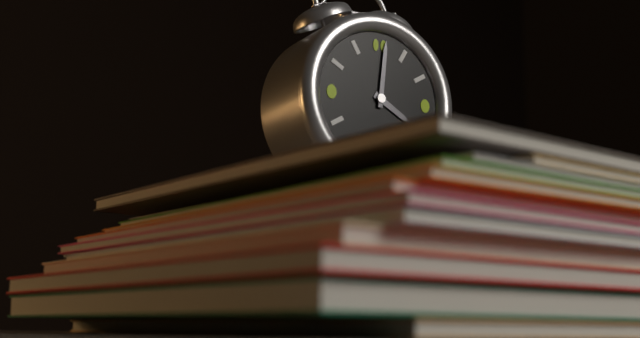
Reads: 4h01
